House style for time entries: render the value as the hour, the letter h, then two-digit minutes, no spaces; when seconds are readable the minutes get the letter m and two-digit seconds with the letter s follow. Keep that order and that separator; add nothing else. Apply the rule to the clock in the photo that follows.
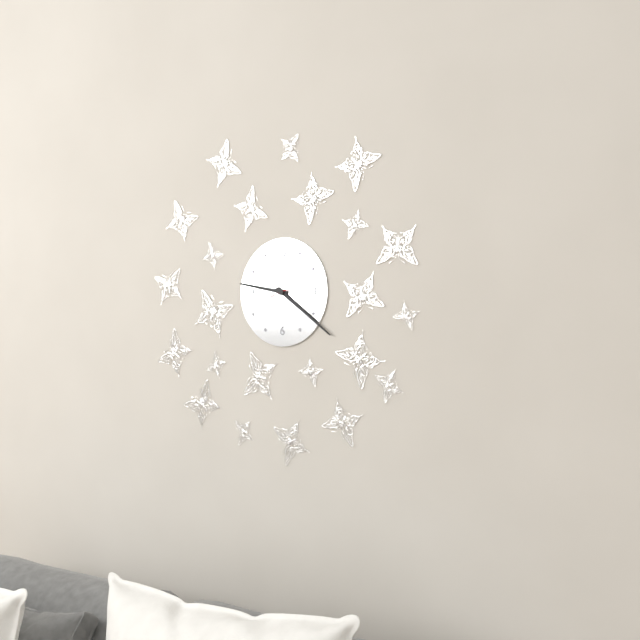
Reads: 9h21m12s
